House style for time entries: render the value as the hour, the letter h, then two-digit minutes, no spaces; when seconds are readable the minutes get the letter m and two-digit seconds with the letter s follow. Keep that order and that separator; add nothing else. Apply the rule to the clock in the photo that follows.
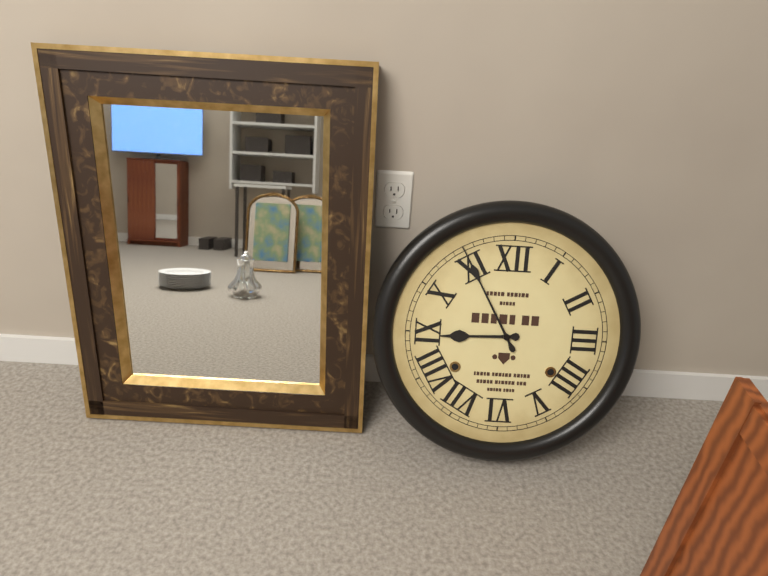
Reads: 8h55
